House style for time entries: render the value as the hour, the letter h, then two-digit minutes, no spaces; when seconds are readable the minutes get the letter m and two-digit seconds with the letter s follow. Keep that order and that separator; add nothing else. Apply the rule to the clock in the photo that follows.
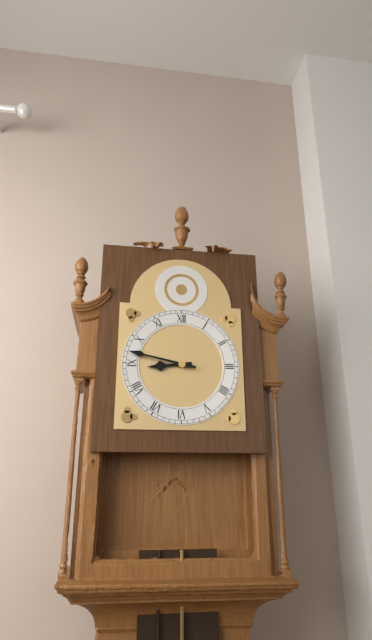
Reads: 8h47
